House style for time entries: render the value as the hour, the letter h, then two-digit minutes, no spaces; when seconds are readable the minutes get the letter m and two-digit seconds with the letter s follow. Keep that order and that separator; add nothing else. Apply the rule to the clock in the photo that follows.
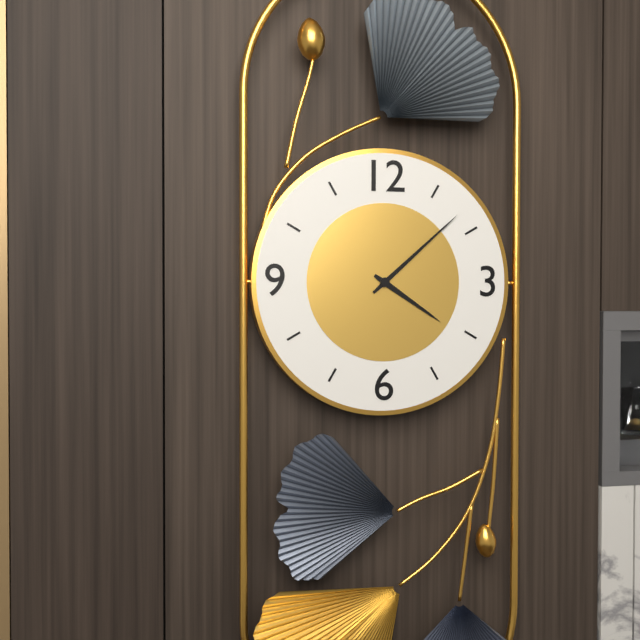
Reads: 4h08
